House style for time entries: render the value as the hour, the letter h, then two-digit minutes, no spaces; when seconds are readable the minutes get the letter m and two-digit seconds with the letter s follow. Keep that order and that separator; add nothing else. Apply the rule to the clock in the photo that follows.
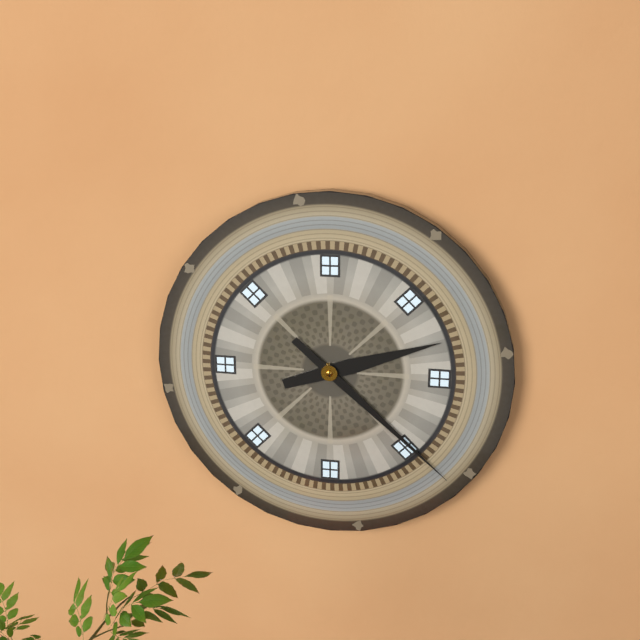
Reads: 2h22
